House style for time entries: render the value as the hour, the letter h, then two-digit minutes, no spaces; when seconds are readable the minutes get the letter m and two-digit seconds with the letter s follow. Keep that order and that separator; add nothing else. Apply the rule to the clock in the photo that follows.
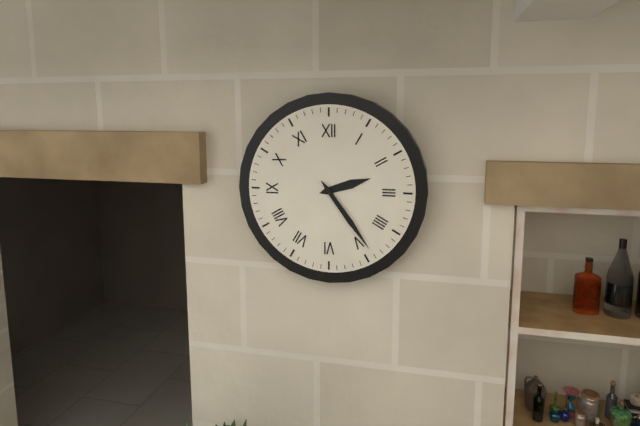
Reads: 2h24
